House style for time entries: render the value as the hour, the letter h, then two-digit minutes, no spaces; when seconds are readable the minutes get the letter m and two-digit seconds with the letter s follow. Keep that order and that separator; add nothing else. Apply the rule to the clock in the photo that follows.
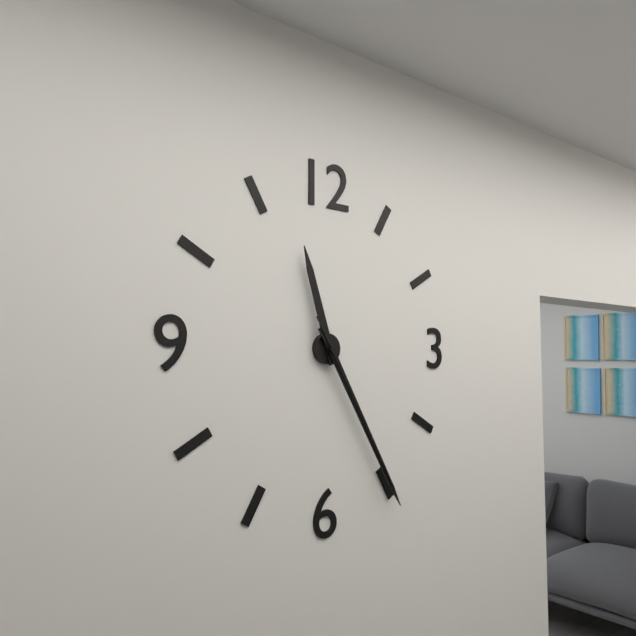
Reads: 11h25m25s
